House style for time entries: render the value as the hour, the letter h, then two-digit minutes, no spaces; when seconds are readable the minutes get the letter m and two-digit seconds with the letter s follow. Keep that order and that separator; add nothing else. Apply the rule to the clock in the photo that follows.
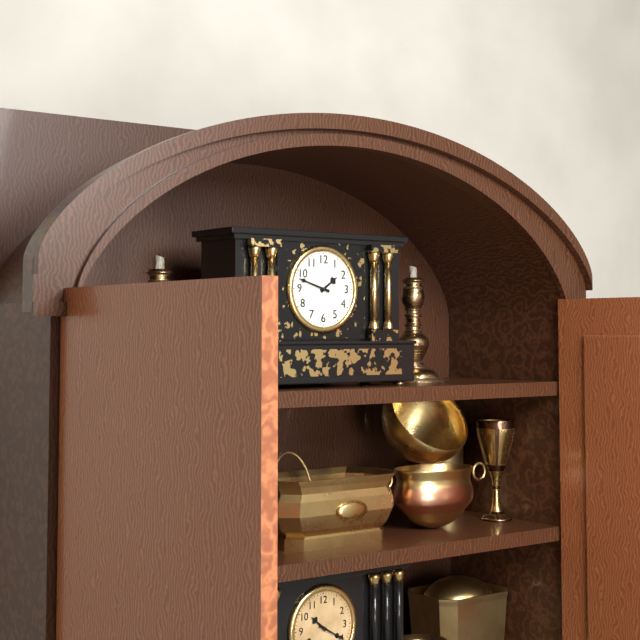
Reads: 1h48
